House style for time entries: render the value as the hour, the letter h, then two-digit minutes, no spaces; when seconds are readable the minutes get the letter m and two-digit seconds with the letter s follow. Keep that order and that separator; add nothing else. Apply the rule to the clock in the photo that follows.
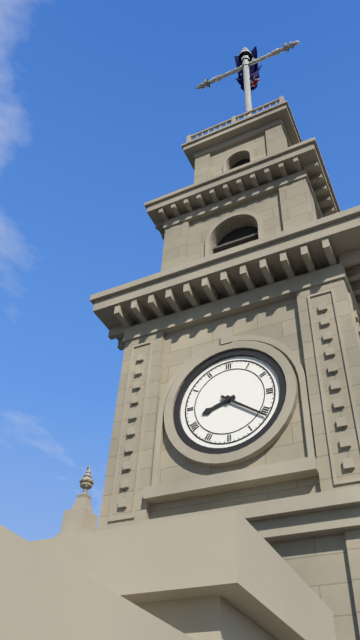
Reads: 8h21
